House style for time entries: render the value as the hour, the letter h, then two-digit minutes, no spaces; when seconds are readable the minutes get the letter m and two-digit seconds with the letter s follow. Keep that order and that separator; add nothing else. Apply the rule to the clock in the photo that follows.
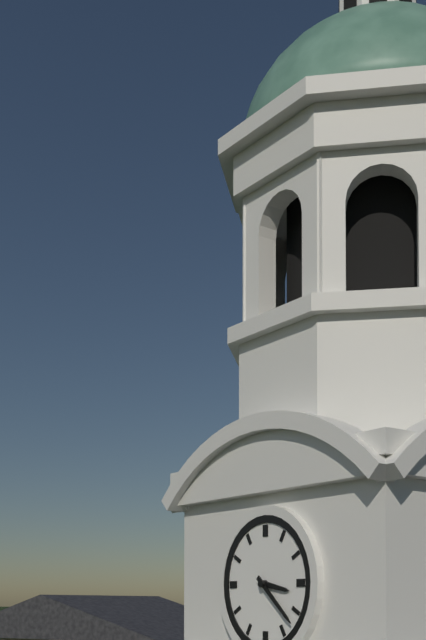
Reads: 3h22
